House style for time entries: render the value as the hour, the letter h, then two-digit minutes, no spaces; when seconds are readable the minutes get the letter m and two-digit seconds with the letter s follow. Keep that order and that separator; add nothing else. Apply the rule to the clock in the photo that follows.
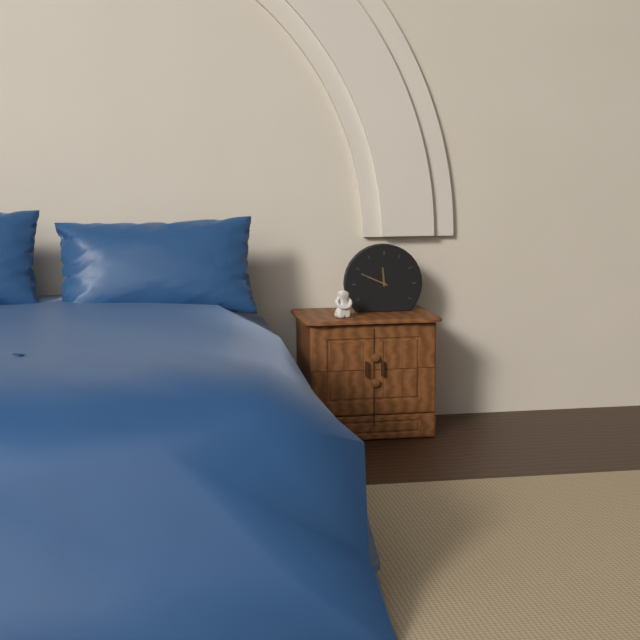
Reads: 11h49
